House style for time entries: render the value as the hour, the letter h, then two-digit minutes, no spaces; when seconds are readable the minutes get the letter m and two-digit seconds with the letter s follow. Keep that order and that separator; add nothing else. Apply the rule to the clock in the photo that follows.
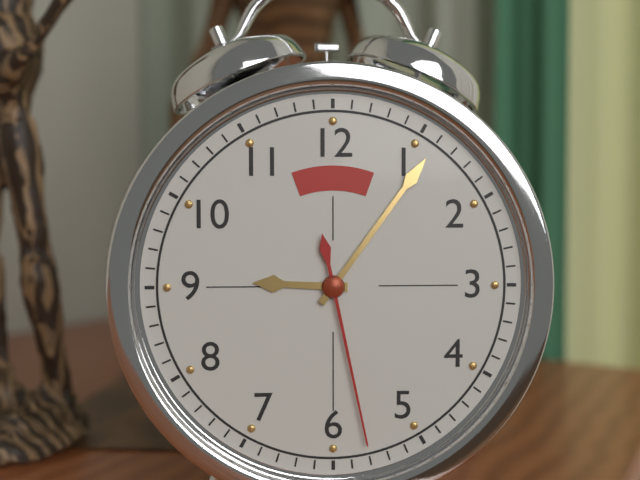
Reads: 9h06m28s
